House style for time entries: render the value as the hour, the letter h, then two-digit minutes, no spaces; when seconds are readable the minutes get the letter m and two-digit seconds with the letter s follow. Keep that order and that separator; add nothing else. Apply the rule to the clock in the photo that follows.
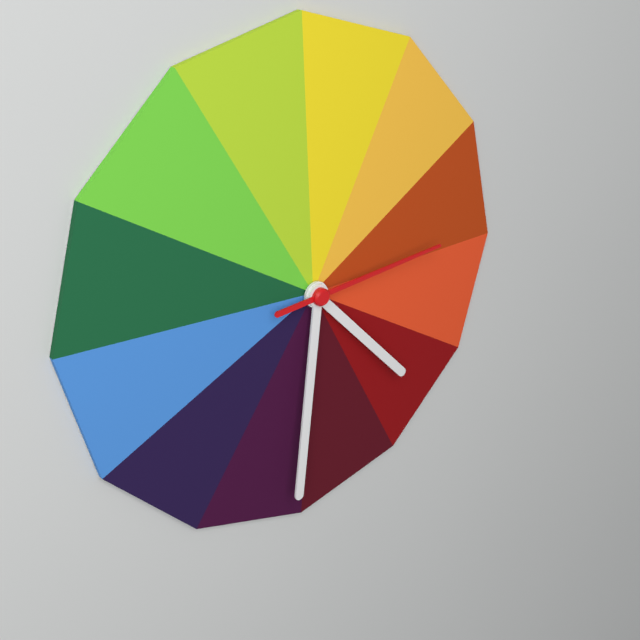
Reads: 4h31m14s
